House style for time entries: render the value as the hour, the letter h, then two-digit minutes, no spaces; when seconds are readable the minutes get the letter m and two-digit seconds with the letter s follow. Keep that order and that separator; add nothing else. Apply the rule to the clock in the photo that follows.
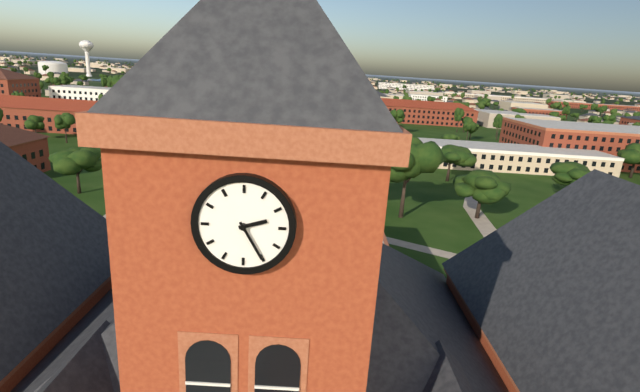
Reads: 2h25
